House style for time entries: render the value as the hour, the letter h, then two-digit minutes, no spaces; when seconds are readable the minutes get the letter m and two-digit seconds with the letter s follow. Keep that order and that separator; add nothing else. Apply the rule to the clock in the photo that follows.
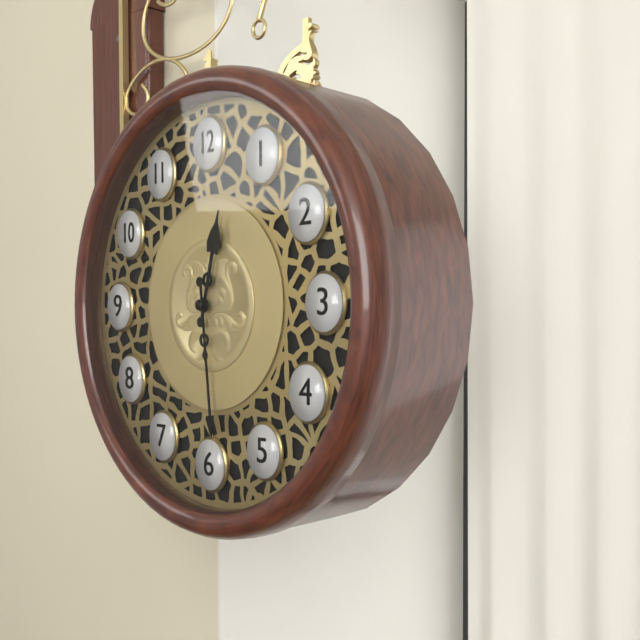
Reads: 12h29
